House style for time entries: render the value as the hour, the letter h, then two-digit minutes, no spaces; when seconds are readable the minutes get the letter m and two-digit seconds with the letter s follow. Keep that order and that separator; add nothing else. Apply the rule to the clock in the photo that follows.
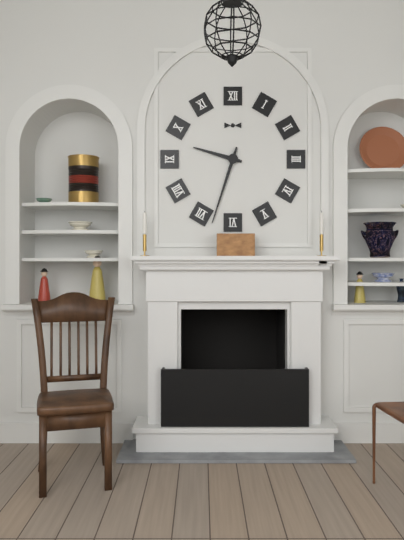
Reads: 9h33
